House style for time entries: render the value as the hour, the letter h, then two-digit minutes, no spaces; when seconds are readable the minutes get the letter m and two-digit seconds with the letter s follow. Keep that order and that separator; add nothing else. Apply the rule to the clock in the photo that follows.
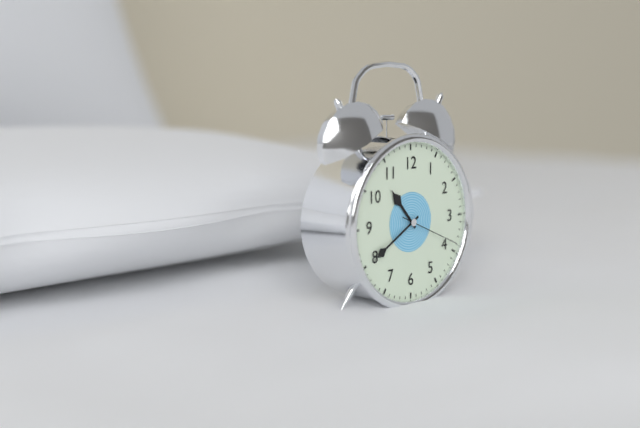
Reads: 10h40m19s
